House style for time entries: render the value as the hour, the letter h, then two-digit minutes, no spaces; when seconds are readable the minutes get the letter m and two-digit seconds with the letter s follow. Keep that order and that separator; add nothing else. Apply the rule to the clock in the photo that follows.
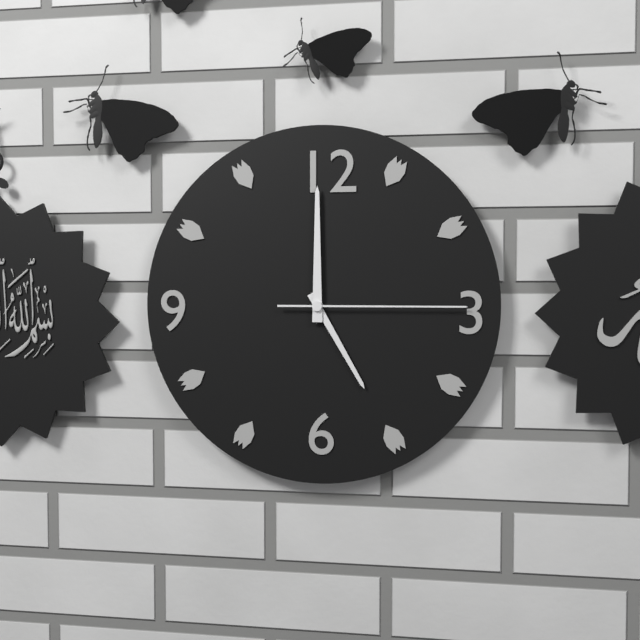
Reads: 5h00m15s
